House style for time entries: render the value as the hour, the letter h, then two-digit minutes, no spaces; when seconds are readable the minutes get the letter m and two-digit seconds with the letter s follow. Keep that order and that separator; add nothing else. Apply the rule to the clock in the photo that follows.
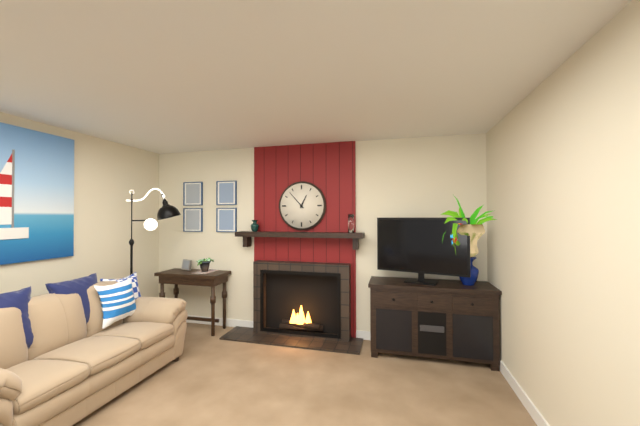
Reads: 12h53
